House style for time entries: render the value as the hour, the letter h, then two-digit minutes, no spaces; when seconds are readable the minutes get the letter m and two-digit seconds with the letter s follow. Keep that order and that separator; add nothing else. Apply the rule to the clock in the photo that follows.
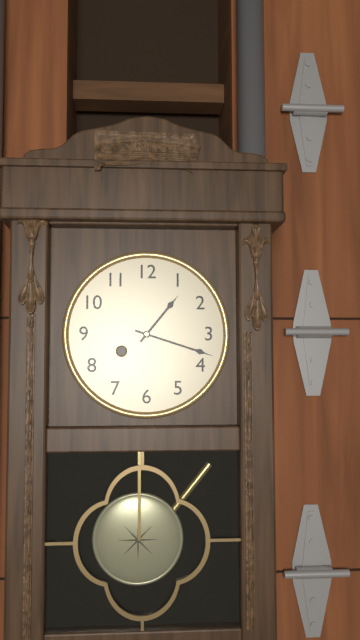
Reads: 1h18
